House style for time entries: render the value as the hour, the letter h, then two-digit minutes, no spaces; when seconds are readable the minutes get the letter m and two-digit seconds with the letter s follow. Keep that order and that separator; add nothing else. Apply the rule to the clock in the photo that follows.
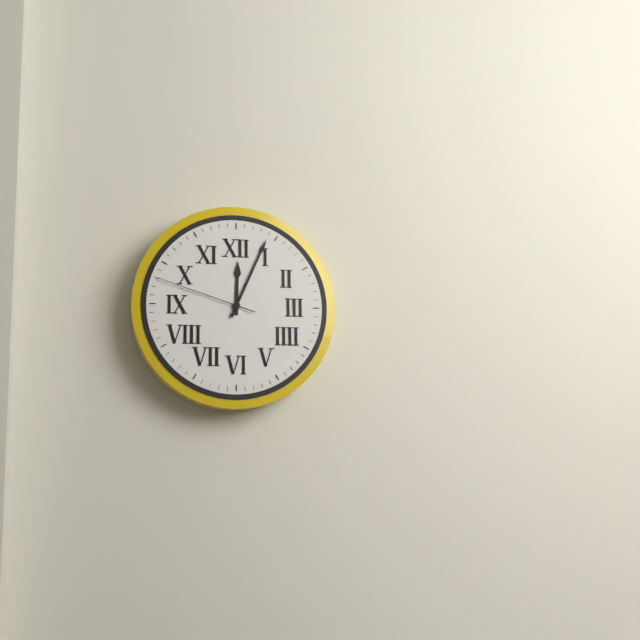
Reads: 12h04m48s
